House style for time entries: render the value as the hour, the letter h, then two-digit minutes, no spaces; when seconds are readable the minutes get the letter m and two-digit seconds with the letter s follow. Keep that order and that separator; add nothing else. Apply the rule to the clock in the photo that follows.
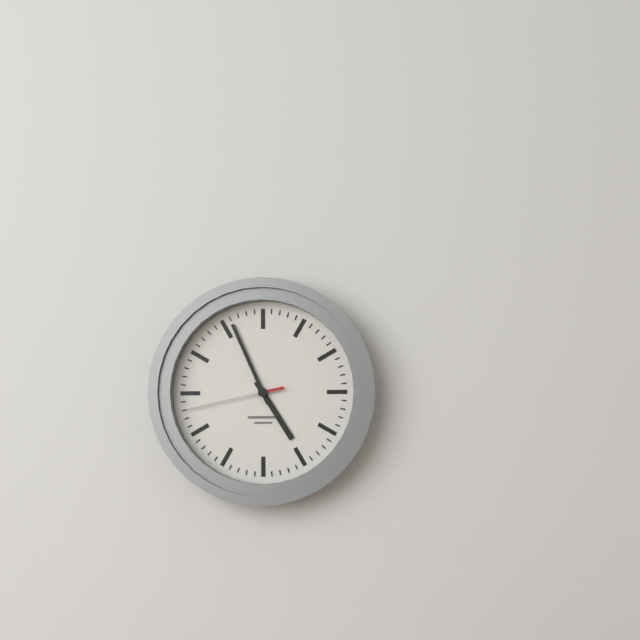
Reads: 4h56m43s
